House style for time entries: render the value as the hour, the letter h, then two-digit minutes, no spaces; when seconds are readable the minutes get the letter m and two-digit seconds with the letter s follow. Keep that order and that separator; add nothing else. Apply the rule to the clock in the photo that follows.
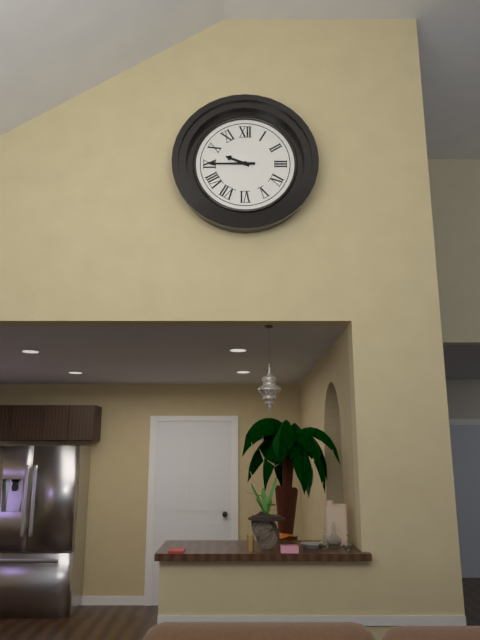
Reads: 9h45
